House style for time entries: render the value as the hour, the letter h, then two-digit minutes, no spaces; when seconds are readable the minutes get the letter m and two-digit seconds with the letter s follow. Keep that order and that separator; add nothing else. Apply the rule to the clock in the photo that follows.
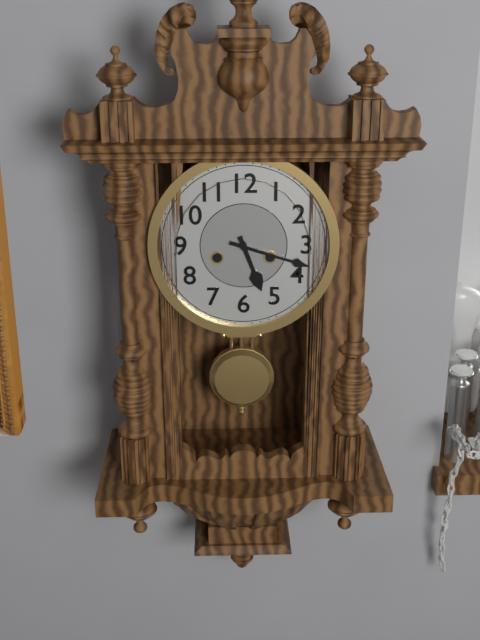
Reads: 5h18
